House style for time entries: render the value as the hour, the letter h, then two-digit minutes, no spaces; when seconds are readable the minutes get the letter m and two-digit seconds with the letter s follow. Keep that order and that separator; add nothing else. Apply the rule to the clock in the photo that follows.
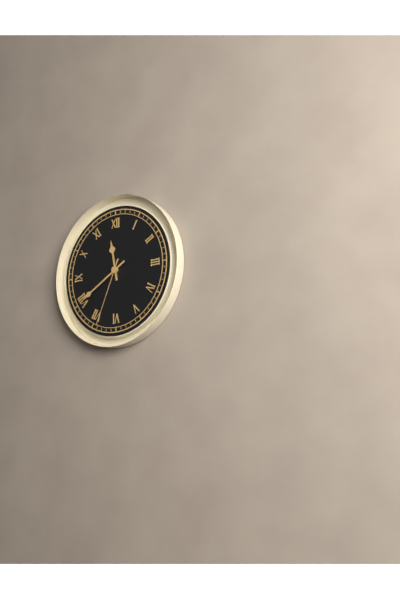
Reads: 11h40m34s
